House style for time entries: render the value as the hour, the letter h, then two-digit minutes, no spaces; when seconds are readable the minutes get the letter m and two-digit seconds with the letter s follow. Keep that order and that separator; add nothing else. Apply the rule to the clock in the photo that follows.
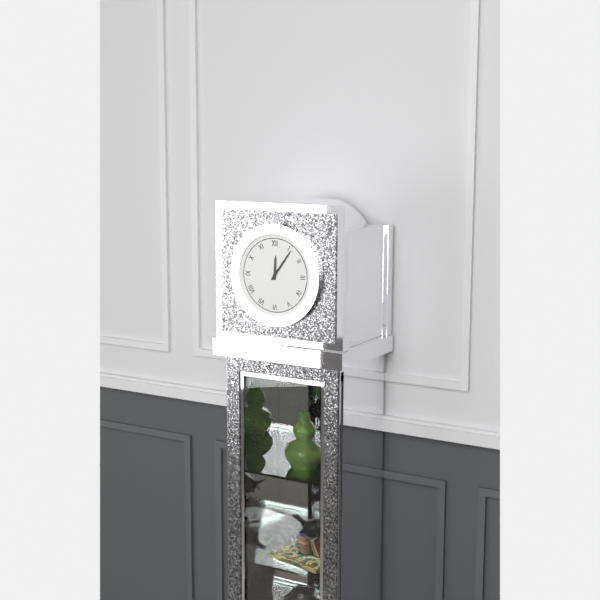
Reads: 12h06
